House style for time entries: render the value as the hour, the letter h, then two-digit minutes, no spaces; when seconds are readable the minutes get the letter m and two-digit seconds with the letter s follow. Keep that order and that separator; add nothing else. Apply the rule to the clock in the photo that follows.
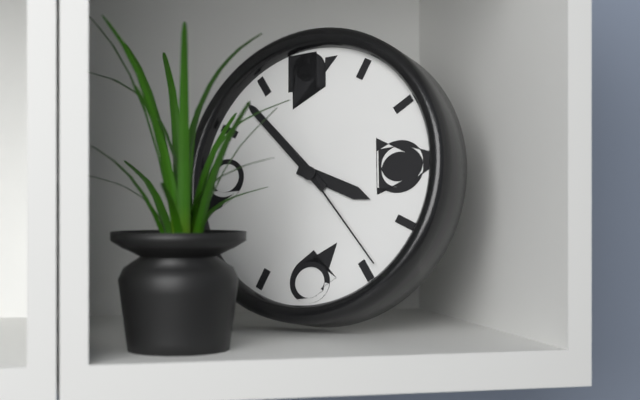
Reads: 3h53m24s
